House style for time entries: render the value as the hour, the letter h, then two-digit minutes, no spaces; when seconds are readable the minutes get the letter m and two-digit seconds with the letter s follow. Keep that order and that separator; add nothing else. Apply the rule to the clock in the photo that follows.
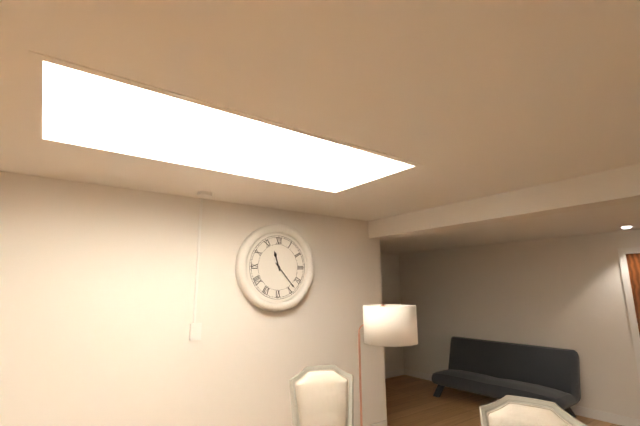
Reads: 11h23
